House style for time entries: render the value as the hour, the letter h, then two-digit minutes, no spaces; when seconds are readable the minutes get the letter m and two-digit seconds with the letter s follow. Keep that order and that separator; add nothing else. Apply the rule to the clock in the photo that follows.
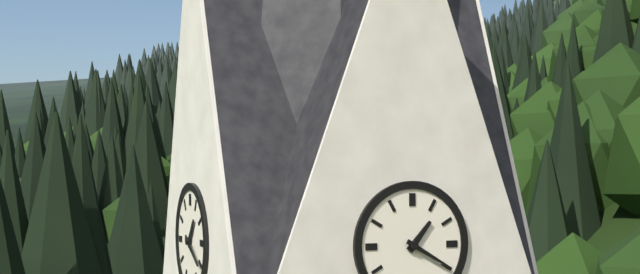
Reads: 1h20
